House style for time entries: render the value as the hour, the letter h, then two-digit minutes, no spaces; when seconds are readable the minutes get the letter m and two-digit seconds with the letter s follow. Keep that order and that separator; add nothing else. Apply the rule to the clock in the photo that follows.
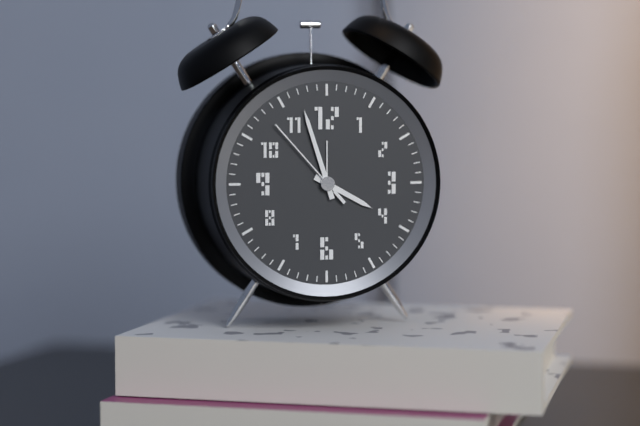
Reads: 3h57m53s
